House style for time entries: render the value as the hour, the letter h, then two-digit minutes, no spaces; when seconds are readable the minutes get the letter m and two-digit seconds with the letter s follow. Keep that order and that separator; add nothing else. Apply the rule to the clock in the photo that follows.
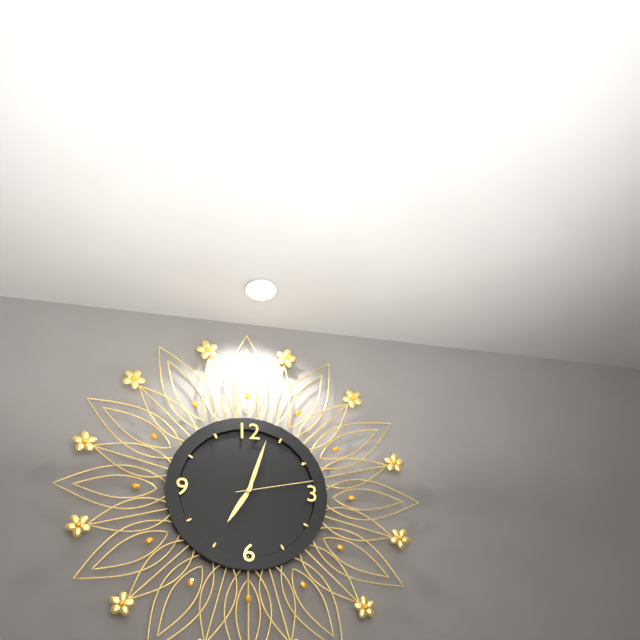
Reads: 7h03m13s
